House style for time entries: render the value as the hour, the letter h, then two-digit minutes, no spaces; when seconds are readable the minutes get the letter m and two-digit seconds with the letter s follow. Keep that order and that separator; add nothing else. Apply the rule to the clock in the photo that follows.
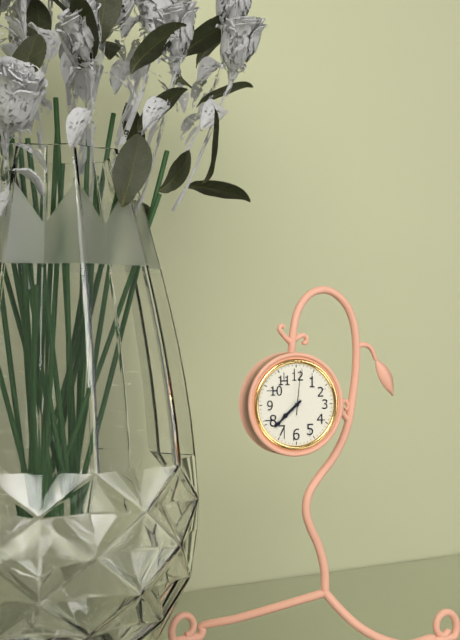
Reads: 7h38
